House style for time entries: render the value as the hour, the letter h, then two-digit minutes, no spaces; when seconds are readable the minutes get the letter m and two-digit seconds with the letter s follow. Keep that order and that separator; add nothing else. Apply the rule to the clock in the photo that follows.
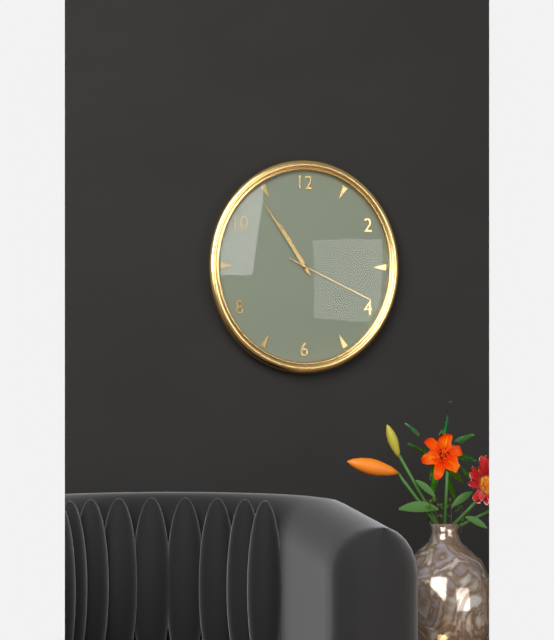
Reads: 10h54m19s
